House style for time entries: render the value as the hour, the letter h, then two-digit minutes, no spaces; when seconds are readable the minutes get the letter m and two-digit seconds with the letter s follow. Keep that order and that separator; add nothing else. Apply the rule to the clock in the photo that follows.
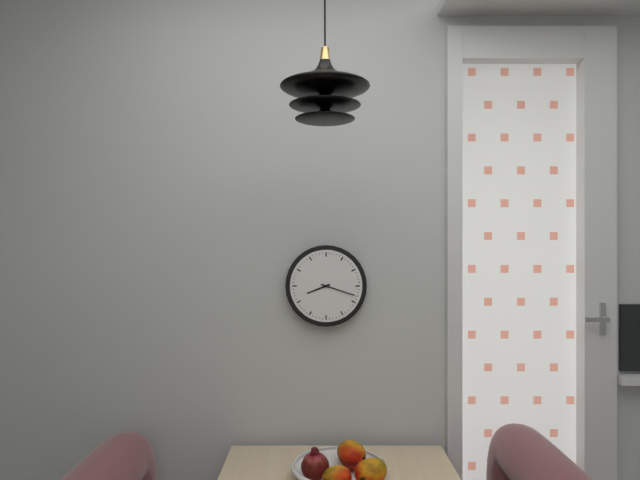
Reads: 8h18
